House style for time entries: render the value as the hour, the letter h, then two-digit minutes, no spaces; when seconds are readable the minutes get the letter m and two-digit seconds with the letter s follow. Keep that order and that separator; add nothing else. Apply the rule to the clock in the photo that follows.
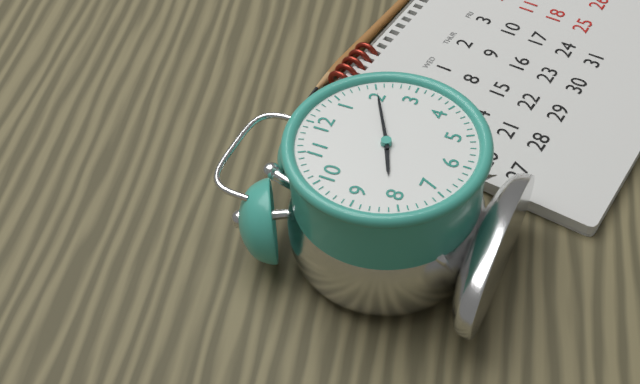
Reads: 8h10
